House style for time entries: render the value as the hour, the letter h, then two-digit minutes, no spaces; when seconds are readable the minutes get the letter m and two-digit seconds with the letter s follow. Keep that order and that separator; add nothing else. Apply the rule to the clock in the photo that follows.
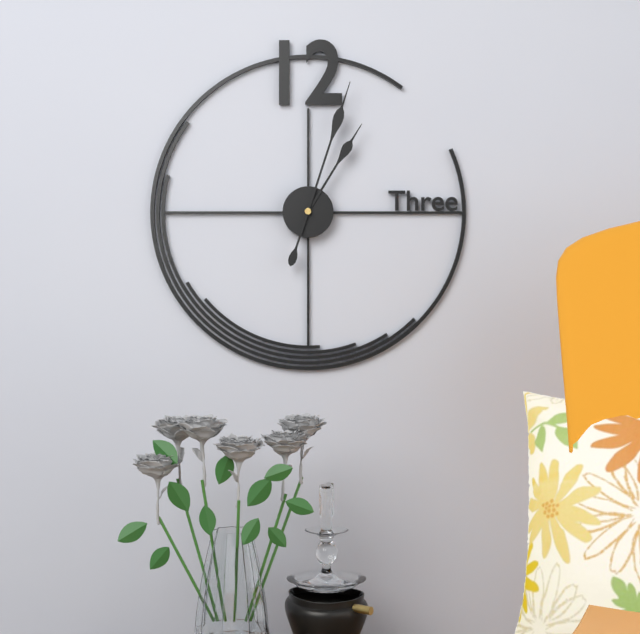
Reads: 1h03
